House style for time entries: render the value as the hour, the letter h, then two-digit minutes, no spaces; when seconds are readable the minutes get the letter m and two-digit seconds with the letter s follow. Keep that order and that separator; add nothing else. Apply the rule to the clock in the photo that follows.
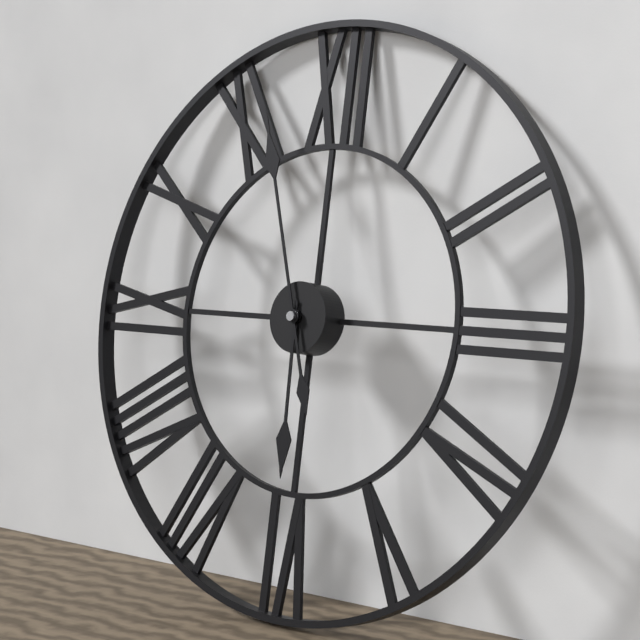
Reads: 5h57
